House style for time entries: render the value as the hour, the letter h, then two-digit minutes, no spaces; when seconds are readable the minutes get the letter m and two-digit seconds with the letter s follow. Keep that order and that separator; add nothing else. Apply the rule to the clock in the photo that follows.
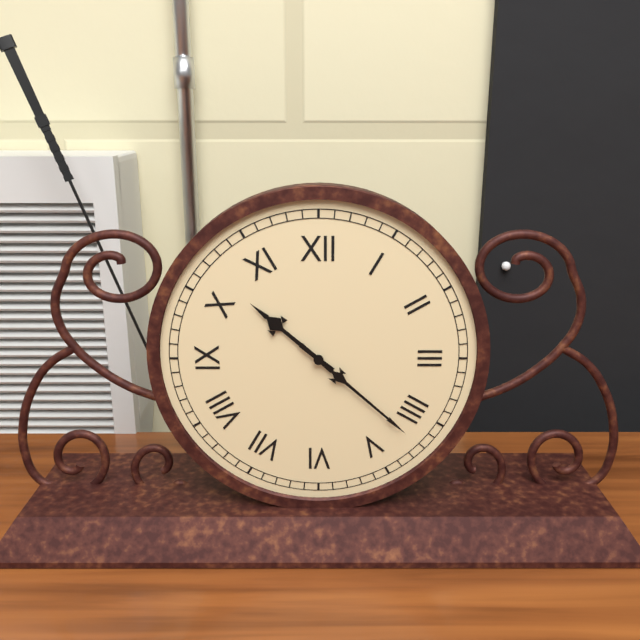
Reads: 10h22
